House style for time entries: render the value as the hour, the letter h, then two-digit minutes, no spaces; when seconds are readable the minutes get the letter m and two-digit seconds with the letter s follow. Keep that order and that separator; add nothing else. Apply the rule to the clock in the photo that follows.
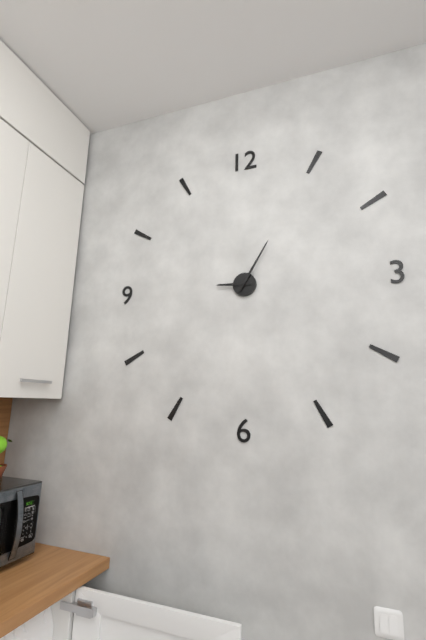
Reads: 9h05
